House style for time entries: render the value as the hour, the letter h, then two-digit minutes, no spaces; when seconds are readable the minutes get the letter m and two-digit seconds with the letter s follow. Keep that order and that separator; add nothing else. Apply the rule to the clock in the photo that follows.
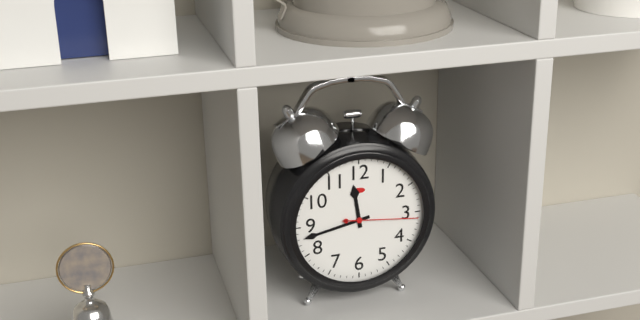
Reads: 11h43m16s
